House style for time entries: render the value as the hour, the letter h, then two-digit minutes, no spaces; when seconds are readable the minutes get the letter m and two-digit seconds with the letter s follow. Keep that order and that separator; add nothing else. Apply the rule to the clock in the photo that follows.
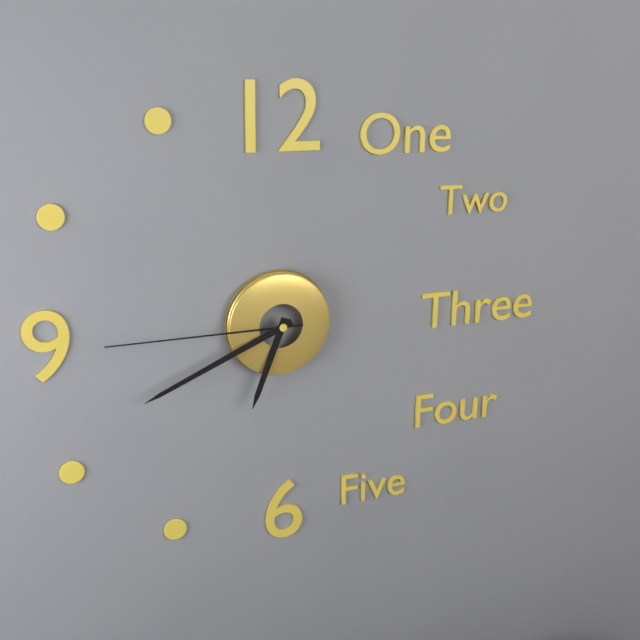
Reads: 6h41m45s
